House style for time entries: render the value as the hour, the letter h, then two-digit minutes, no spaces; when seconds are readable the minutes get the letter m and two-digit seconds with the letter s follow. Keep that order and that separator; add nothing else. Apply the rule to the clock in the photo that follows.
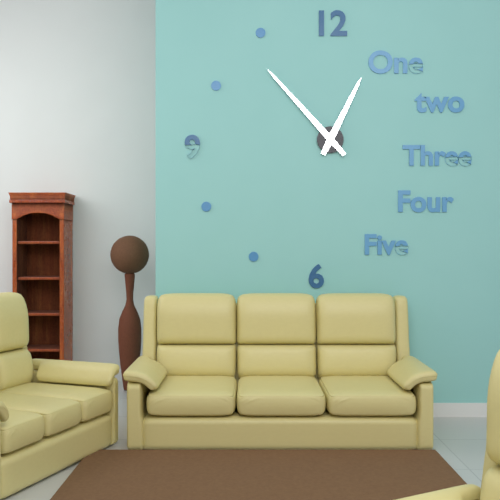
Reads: 12h53
